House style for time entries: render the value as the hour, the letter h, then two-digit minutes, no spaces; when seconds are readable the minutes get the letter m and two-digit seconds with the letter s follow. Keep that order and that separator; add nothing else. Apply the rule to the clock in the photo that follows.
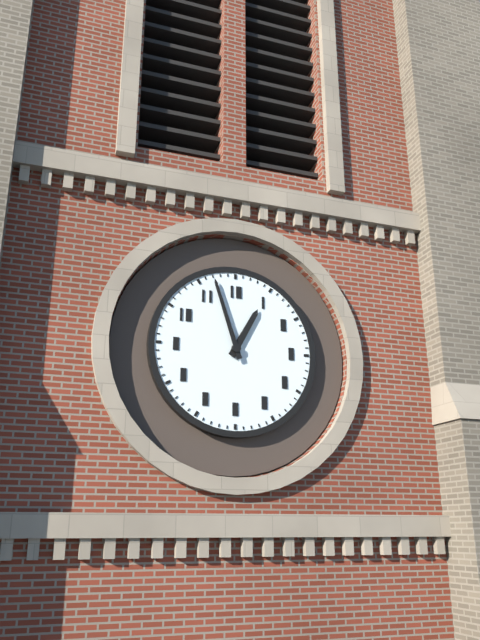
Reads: 12h57
